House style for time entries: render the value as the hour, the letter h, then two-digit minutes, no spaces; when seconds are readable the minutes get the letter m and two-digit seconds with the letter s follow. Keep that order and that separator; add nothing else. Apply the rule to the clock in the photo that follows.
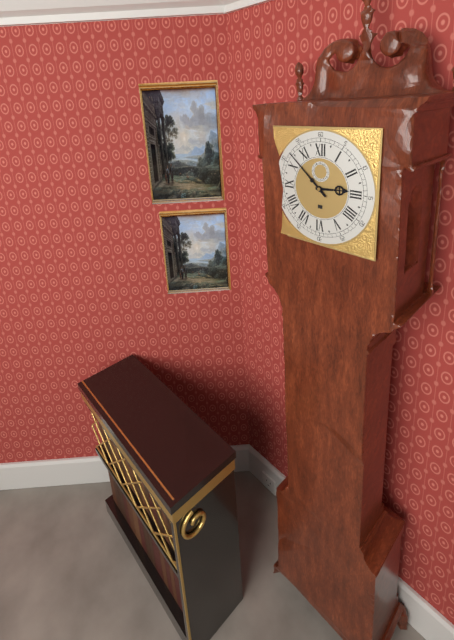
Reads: 2h52
